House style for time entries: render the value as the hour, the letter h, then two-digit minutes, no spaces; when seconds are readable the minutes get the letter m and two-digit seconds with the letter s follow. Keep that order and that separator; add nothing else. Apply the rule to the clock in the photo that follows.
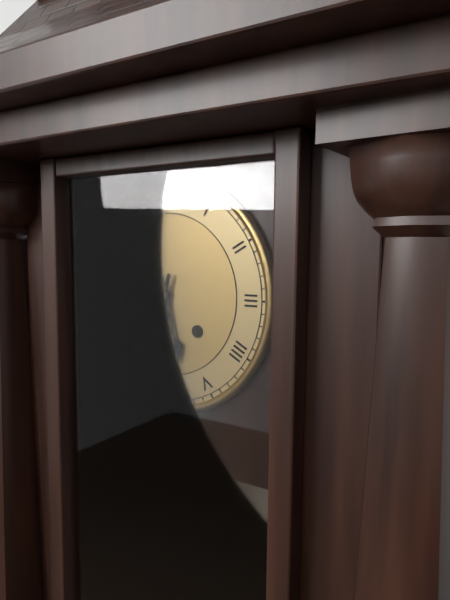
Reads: 5h33
